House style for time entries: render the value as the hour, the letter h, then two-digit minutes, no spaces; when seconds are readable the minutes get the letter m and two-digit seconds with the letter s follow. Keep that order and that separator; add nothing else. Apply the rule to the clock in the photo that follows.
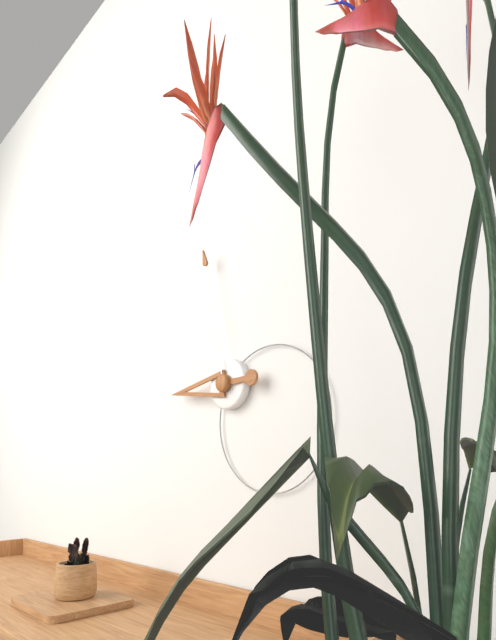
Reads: 8h58
